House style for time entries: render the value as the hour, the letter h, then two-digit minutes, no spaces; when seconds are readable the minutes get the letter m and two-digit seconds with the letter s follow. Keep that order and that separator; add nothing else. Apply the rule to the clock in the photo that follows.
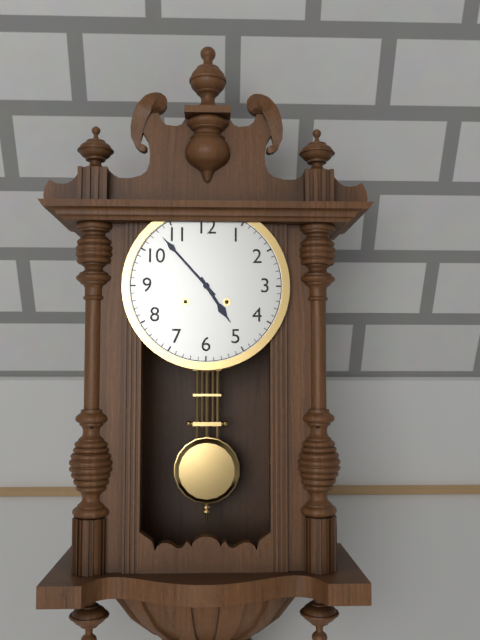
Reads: 4h53
